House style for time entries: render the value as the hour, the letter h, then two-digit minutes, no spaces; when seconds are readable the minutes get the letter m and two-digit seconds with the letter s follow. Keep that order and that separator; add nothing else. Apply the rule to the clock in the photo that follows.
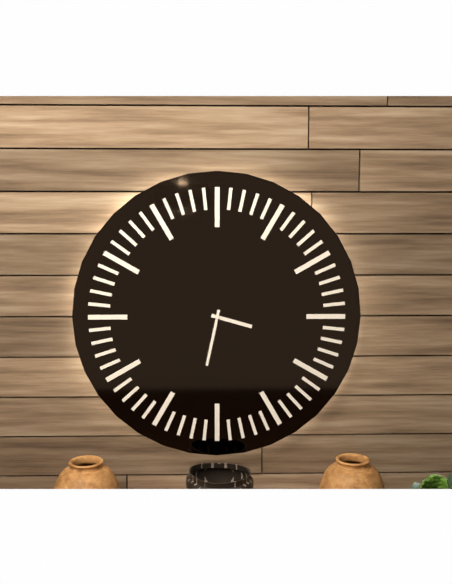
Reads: 3h32
